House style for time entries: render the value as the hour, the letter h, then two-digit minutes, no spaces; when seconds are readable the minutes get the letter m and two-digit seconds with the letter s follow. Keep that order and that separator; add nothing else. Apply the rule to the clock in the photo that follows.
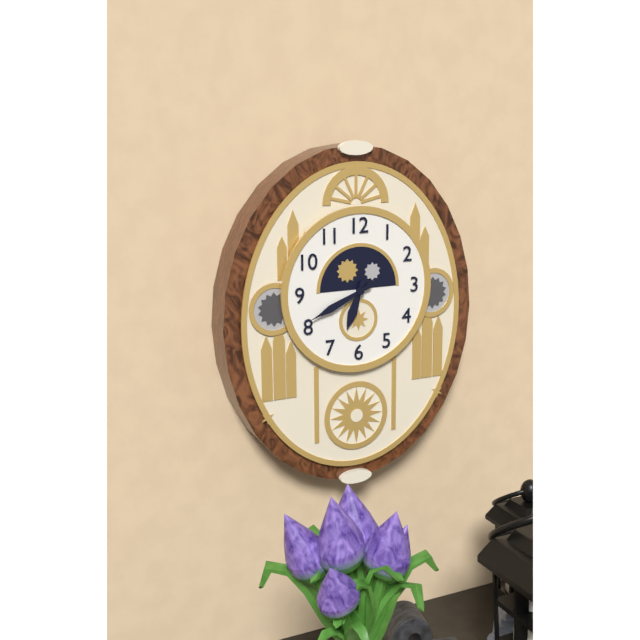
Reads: 6h41
